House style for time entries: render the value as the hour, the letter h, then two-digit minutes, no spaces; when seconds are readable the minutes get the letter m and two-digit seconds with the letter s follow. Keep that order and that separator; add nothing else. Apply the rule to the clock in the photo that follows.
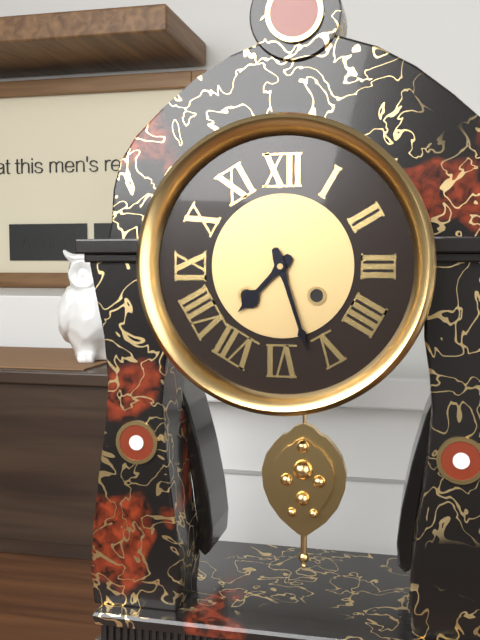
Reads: 7h27
